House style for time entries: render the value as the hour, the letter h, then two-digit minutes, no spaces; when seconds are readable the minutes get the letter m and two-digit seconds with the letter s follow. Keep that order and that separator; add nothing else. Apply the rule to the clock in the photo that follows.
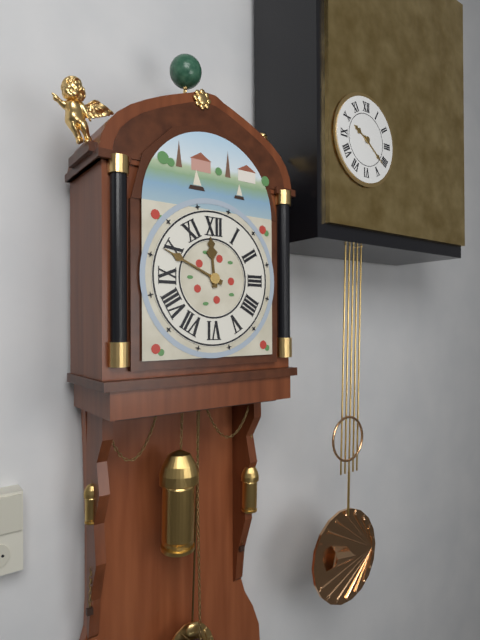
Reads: 11h49
